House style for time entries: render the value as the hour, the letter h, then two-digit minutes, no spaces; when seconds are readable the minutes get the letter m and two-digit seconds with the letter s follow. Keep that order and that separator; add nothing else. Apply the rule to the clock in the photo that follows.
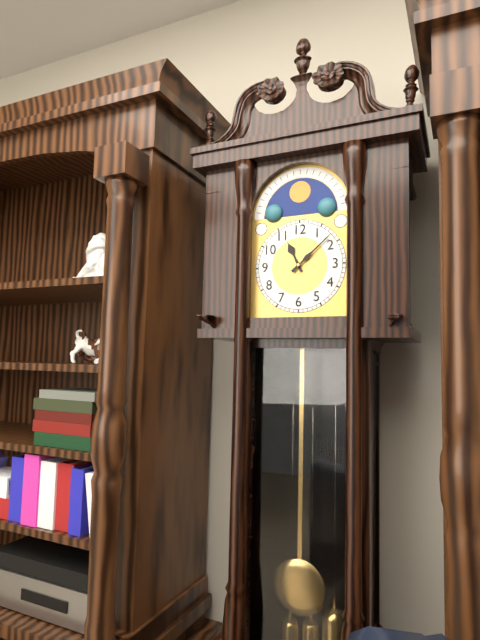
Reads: 11h08
